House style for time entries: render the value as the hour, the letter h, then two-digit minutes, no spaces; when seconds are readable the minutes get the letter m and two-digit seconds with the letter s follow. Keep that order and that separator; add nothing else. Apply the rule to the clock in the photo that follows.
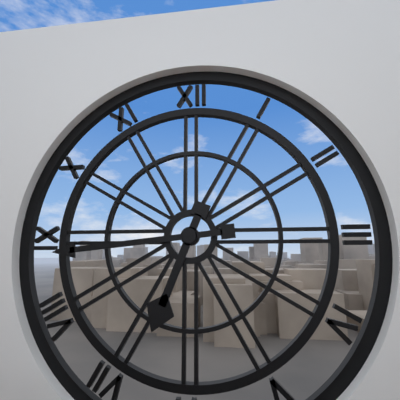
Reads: 6h44
